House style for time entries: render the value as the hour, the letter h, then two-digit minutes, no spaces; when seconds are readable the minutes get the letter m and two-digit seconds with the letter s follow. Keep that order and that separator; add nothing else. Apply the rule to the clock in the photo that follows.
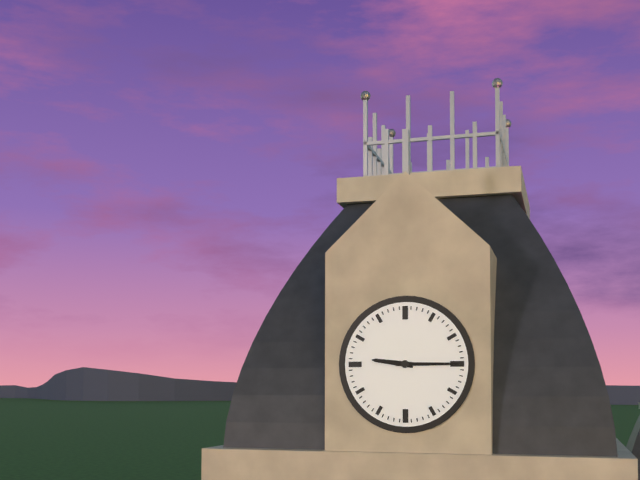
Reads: 9h15
